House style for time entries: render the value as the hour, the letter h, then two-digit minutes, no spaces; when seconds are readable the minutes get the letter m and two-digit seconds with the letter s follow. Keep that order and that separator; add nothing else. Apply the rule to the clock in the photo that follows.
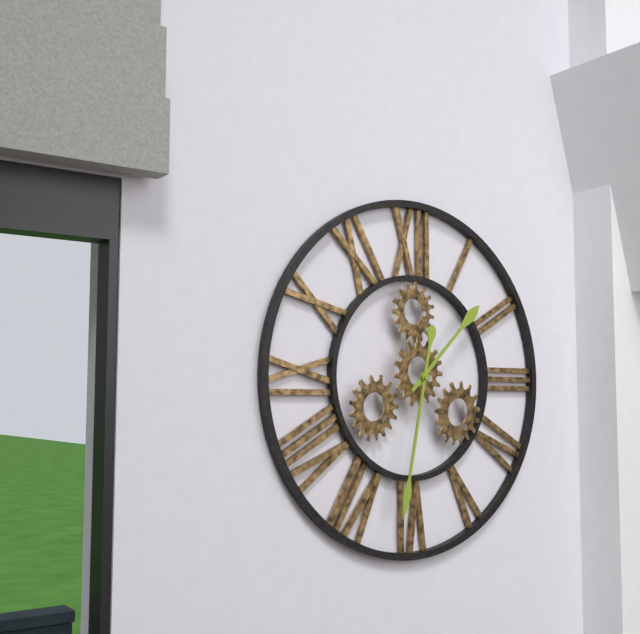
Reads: 1h32
